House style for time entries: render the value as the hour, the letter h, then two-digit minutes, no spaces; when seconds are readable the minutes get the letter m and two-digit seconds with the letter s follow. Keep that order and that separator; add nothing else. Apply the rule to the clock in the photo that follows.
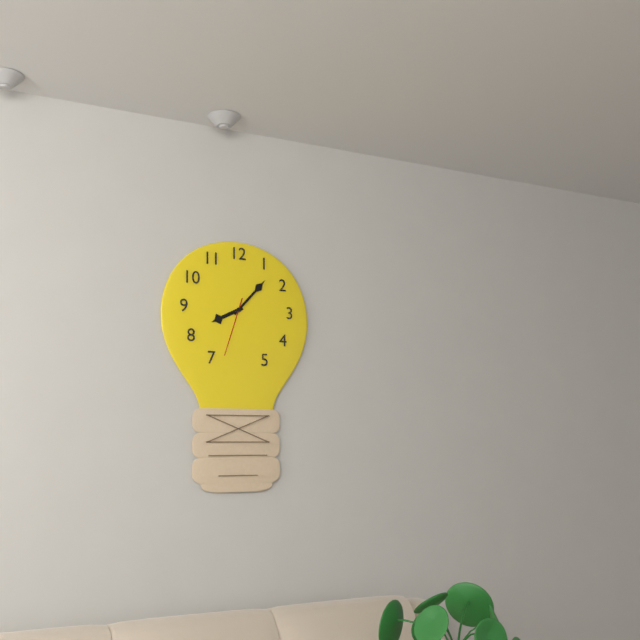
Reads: 8h07m33s
